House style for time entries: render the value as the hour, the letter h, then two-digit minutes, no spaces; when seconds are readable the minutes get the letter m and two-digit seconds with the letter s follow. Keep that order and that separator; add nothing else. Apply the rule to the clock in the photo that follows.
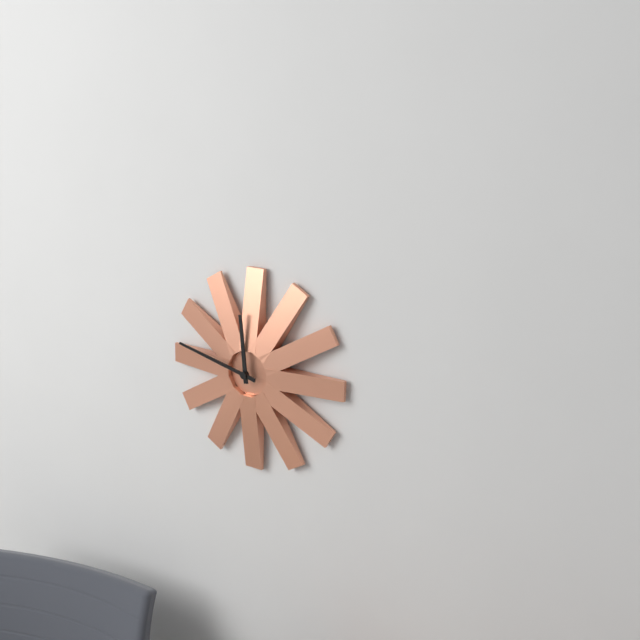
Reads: 11h47
